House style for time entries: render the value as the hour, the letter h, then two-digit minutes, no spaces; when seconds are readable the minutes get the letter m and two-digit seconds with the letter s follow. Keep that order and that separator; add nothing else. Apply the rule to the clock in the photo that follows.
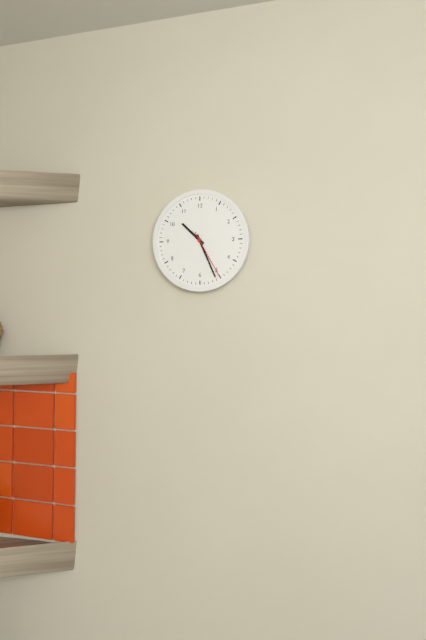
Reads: 10h26m25s
